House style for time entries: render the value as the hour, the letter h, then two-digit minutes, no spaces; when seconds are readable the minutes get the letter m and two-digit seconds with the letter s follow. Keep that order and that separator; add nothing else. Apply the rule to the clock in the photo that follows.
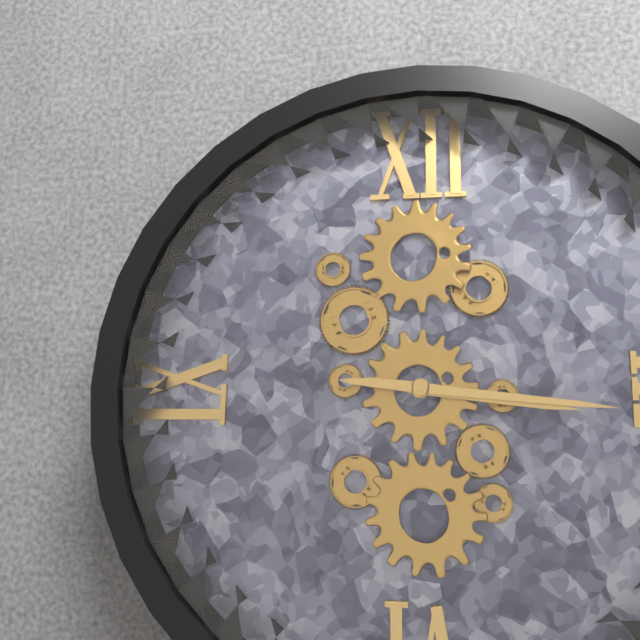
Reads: 3h16
